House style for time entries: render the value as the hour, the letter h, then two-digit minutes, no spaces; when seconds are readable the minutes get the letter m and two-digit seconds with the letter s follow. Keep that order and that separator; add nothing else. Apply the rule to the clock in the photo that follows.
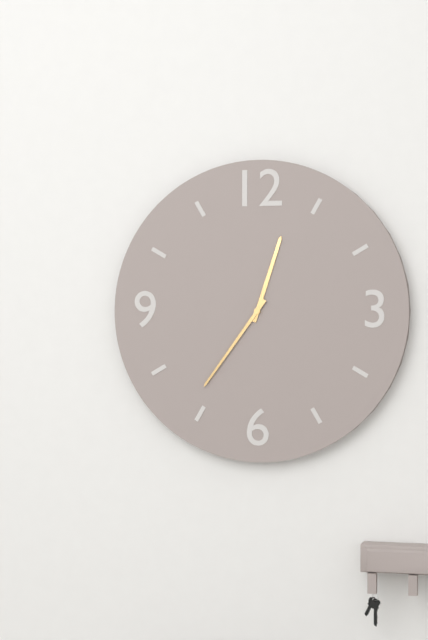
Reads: 12h36
